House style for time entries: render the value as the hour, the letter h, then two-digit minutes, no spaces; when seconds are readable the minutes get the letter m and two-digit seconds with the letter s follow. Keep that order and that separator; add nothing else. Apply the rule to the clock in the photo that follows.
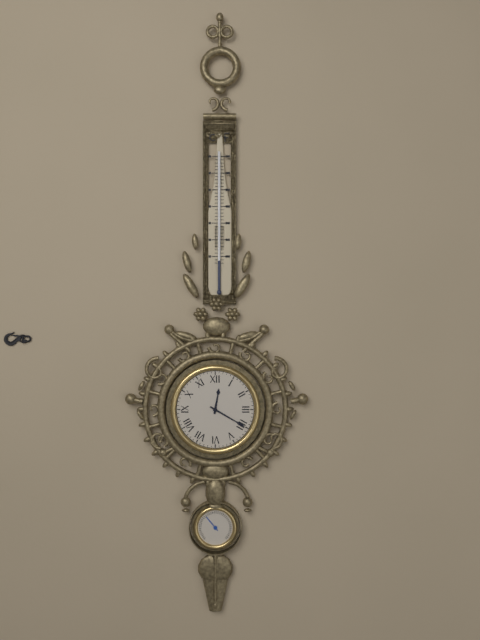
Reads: 12h20
